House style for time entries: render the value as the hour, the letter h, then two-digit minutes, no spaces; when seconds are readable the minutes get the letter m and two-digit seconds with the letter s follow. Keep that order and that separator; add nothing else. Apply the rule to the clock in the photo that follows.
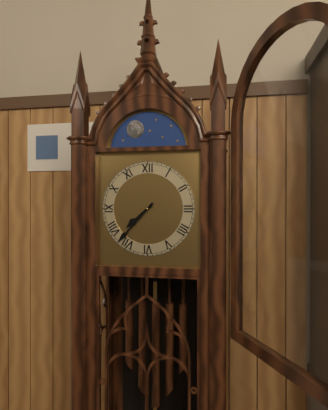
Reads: 7h37
